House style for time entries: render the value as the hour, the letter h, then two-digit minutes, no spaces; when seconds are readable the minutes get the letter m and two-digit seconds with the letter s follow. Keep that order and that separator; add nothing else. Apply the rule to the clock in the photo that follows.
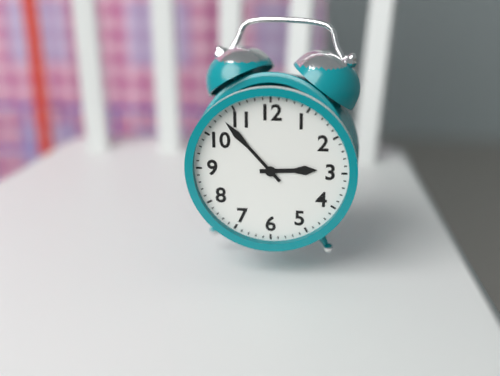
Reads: 2h53
